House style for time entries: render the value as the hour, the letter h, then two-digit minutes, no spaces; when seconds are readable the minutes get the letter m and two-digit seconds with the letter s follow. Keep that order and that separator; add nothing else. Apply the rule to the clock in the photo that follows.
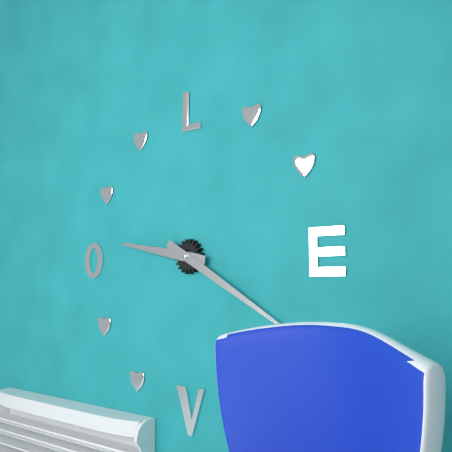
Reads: 9h20
